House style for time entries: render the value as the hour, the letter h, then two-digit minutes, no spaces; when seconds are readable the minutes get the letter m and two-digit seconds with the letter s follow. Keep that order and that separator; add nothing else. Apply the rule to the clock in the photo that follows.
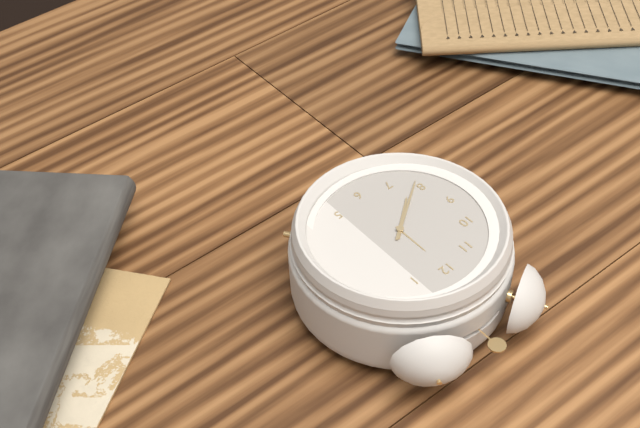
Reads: 7h39
